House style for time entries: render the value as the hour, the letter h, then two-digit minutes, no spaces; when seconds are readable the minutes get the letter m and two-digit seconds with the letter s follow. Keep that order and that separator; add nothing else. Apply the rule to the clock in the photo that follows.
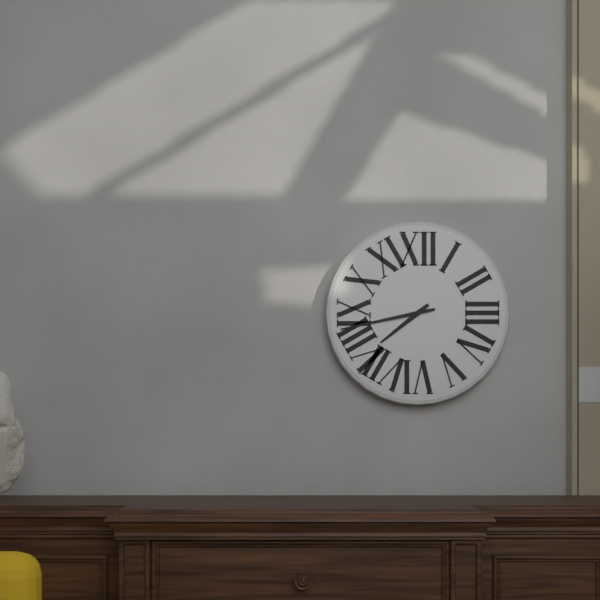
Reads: 7h43
